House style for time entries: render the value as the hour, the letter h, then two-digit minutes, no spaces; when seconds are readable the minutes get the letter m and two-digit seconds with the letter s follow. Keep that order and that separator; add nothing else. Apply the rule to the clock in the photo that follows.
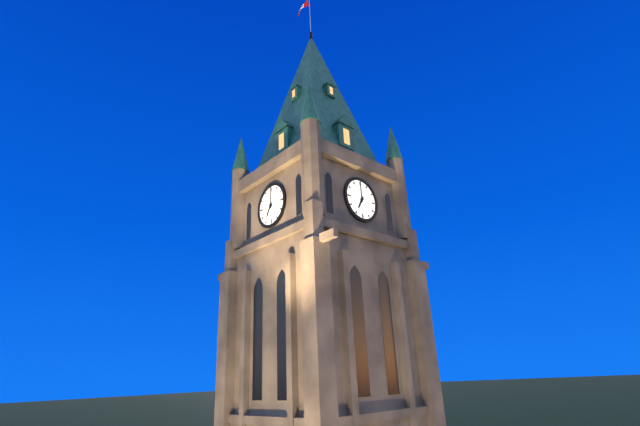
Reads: 7h00
